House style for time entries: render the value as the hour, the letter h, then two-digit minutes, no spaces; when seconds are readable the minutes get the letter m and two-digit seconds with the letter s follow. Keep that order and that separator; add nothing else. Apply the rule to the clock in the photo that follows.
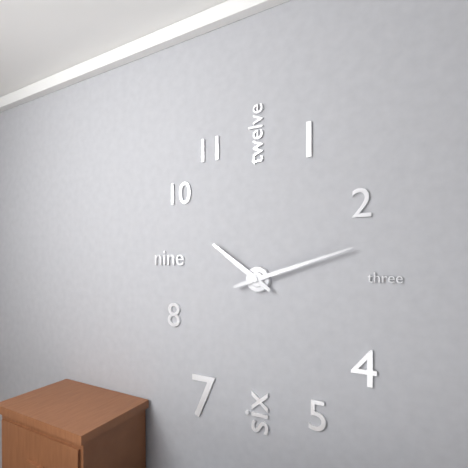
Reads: 10h12
